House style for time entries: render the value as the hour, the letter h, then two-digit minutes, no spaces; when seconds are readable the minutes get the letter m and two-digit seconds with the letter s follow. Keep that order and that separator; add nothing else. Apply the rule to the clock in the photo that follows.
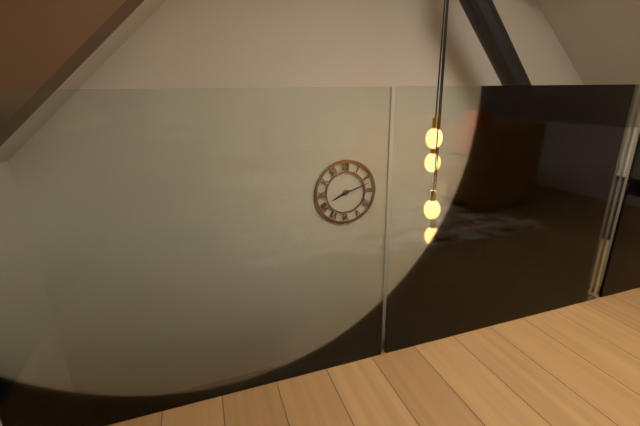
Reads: 8h12
